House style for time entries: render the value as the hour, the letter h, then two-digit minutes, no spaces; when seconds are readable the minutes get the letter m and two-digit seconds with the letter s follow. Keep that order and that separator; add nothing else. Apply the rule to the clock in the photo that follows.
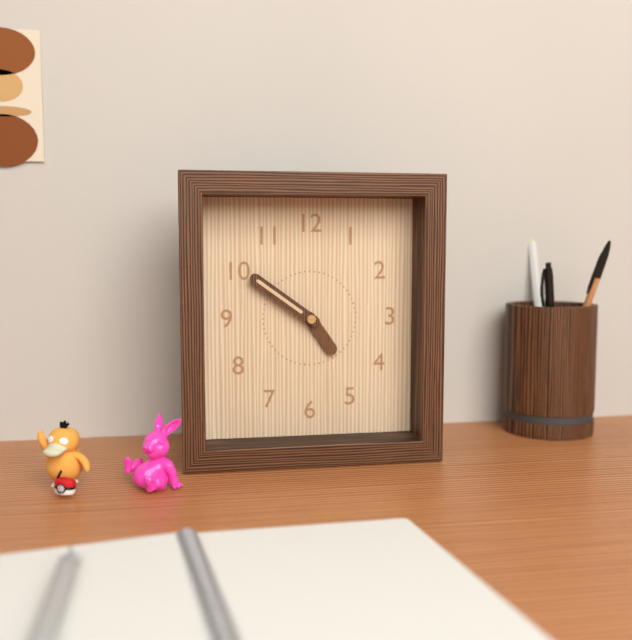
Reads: 4h51
